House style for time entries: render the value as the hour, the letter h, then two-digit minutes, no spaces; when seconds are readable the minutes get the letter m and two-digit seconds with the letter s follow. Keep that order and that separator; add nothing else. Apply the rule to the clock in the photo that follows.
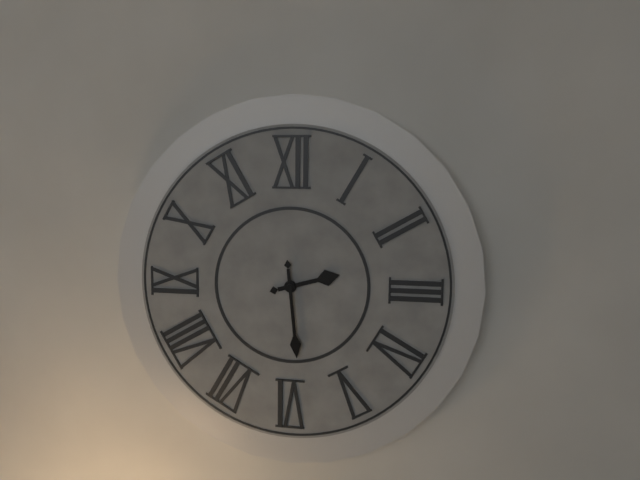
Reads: 2h29
